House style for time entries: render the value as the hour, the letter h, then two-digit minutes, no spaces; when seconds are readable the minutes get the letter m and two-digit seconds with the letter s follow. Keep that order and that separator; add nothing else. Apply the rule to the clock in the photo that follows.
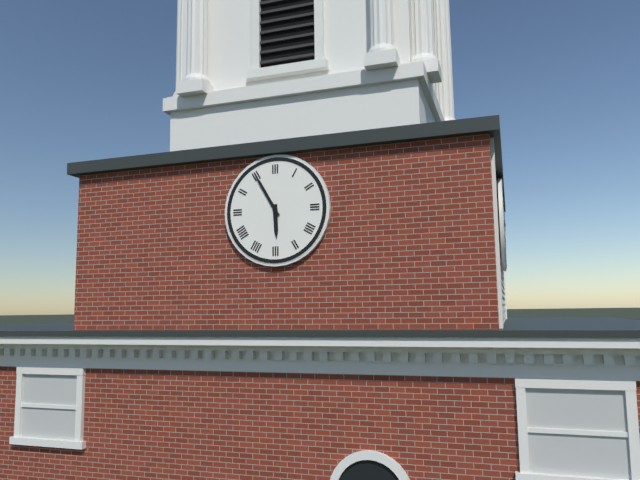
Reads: 5h55
